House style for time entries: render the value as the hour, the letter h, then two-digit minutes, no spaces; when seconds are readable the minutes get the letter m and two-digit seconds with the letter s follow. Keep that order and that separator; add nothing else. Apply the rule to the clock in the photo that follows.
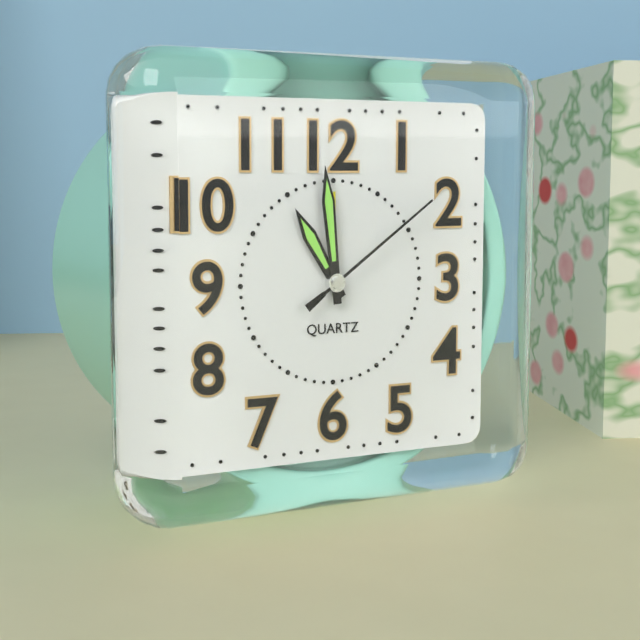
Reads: 10h59m09s
